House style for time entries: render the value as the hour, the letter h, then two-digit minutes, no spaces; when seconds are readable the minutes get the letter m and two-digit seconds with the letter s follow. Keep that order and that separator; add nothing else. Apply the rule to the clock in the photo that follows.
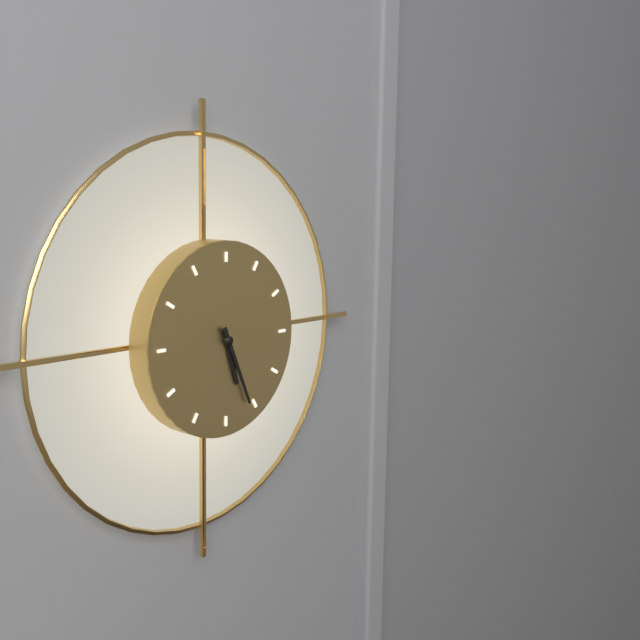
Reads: 5h26
